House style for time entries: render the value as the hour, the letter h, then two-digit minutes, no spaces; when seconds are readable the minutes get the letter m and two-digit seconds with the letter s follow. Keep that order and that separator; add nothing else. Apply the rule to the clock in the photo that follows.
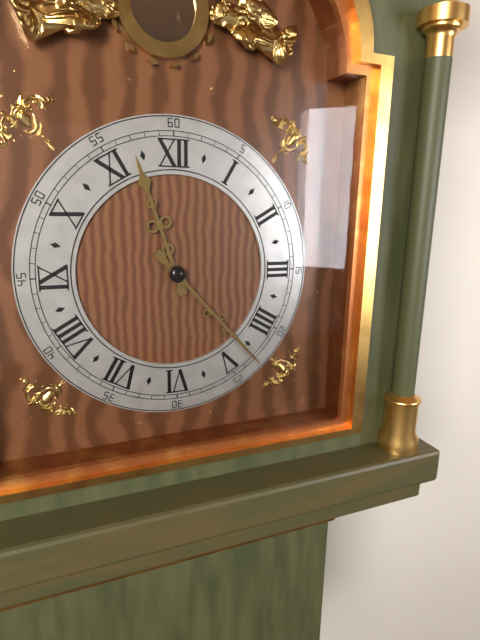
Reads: 11h23
